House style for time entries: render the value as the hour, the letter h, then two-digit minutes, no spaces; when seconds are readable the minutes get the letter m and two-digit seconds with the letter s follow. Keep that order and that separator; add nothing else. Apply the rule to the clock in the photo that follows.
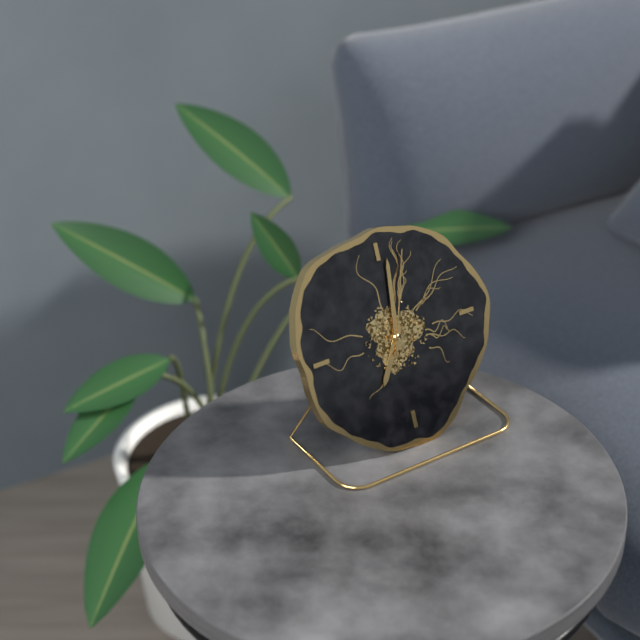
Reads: 7h01m03s
